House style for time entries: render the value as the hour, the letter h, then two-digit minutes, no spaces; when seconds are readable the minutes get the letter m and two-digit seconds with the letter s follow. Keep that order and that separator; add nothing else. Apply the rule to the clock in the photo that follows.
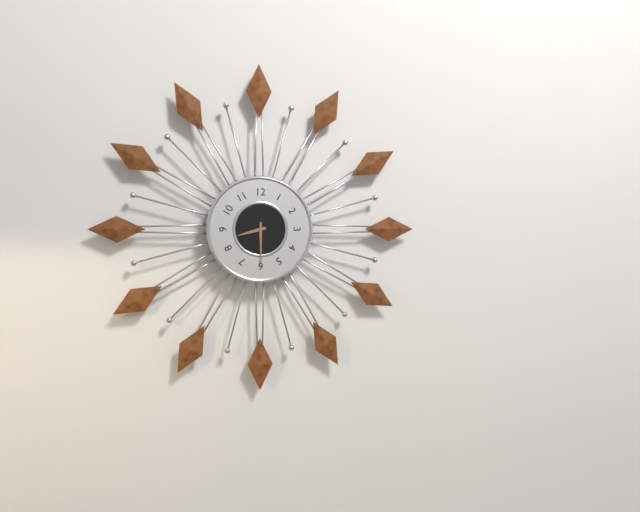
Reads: 8h30
